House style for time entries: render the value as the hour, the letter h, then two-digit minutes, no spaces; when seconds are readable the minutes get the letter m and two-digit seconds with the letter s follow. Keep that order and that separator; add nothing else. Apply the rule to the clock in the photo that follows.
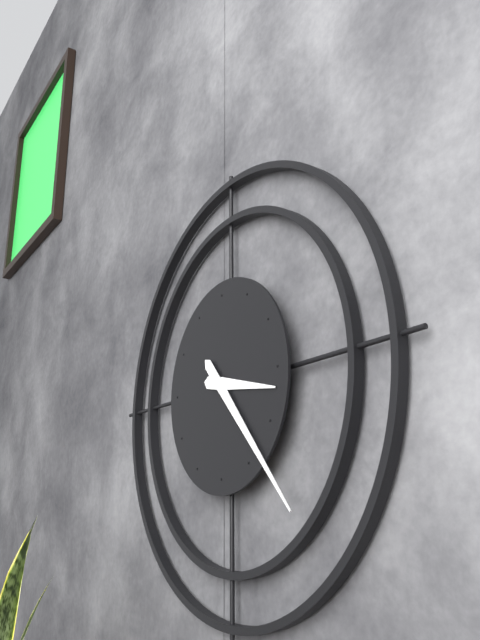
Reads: 3h23
